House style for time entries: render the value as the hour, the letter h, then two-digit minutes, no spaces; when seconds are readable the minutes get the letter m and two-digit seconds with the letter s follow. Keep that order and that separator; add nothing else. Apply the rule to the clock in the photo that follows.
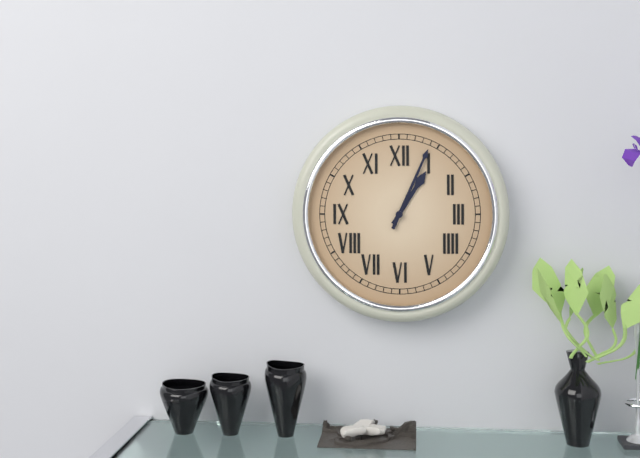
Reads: 1h04
